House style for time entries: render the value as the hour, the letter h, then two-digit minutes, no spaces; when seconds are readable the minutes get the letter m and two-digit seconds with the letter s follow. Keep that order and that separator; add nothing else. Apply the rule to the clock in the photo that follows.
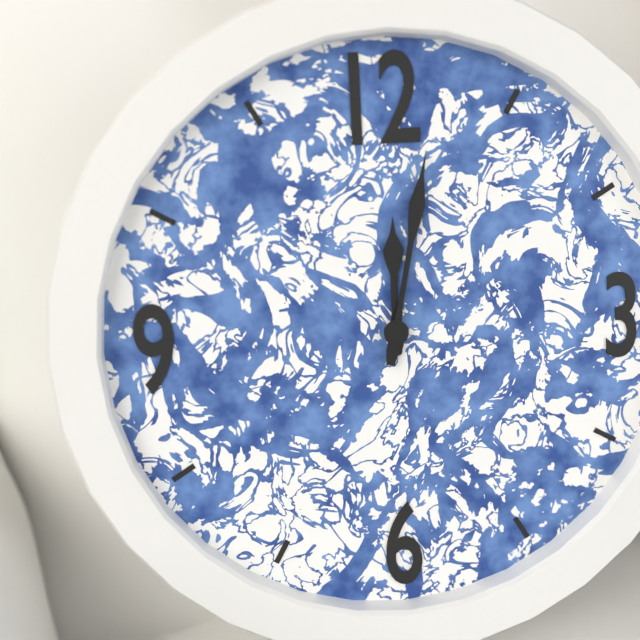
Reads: 12h02
